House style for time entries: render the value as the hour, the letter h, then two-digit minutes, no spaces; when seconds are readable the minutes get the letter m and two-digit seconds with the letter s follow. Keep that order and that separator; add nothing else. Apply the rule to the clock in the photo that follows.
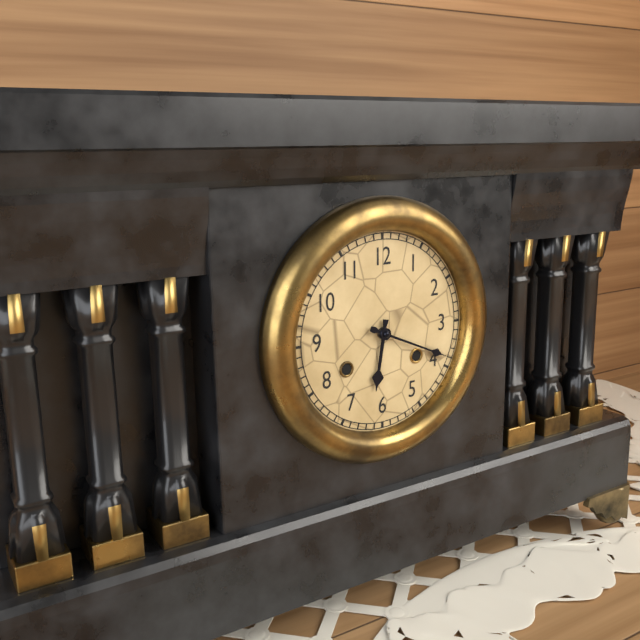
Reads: 6h19
